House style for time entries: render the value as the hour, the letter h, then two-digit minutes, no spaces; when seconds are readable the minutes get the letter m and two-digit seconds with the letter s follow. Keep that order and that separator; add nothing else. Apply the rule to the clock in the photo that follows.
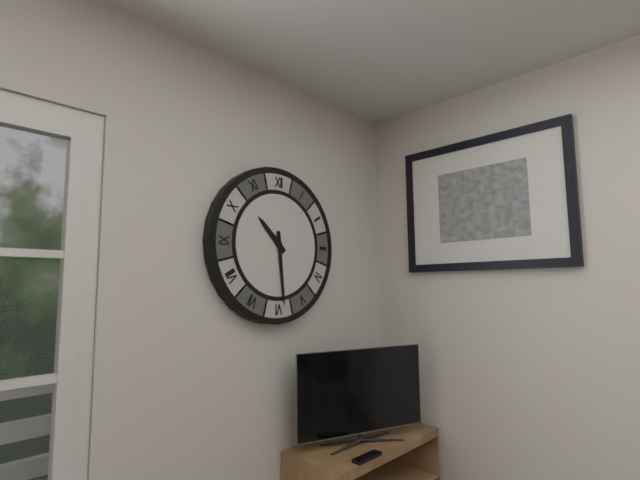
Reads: 10h29
